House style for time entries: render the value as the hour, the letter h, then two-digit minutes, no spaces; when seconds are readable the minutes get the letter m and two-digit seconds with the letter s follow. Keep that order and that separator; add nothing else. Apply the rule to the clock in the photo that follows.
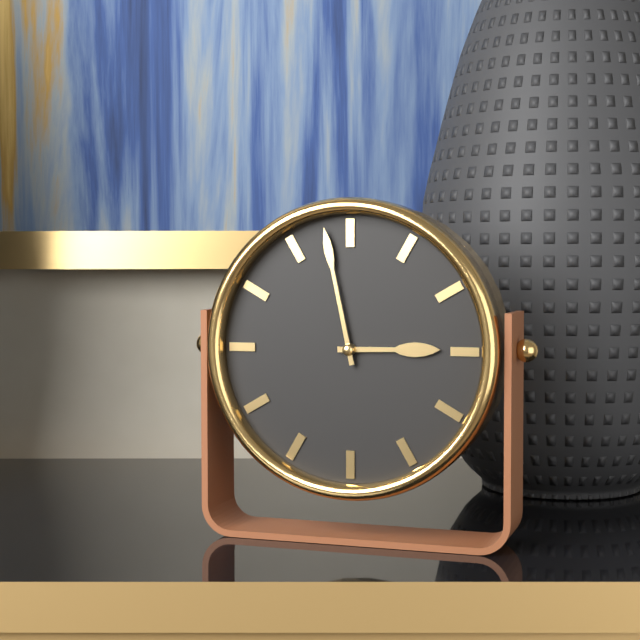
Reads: 2h58
